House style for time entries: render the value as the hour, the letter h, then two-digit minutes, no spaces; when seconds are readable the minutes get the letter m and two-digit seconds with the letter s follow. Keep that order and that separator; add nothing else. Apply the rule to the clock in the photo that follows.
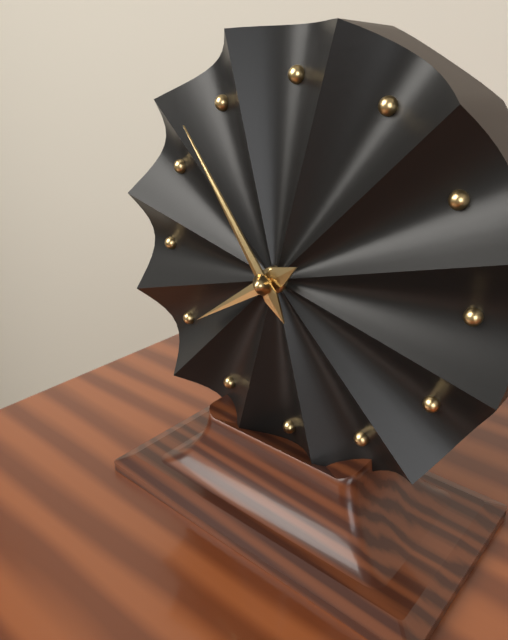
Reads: 7h54
